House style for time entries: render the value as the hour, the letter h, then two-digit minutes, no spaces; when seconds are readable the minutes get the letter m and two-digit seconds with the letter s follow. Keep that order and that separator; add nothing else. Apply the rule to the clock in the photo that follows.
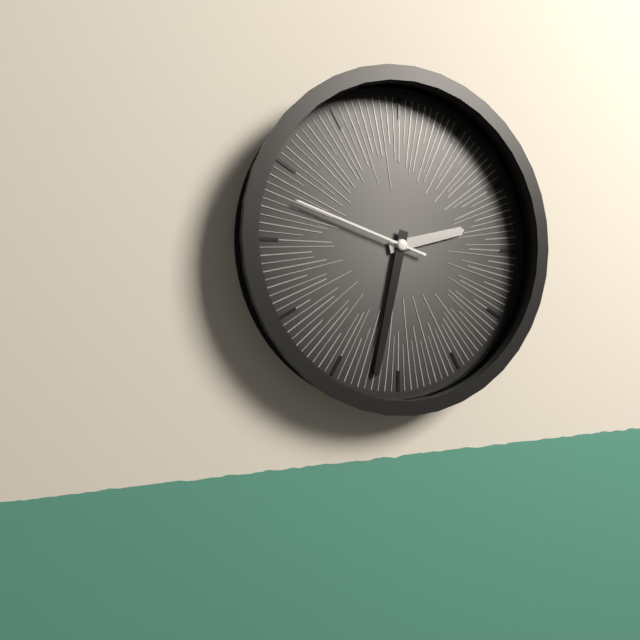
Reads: 2h32m48s
